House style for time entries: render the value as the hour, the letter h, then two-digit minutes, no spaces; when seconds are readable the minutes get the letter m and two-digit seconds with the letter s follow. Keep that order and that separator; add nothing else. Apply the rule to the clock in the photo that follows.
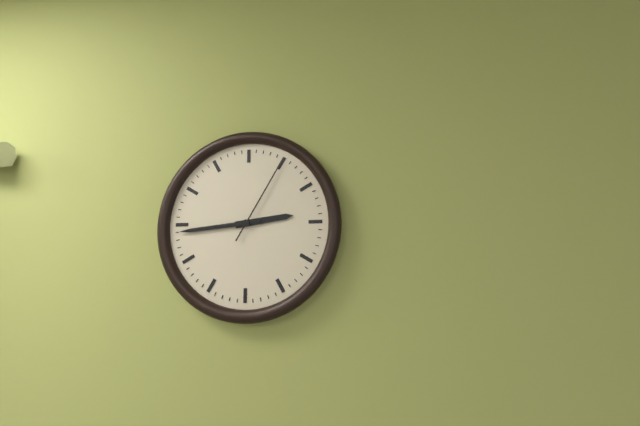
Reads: 2h44m05s
